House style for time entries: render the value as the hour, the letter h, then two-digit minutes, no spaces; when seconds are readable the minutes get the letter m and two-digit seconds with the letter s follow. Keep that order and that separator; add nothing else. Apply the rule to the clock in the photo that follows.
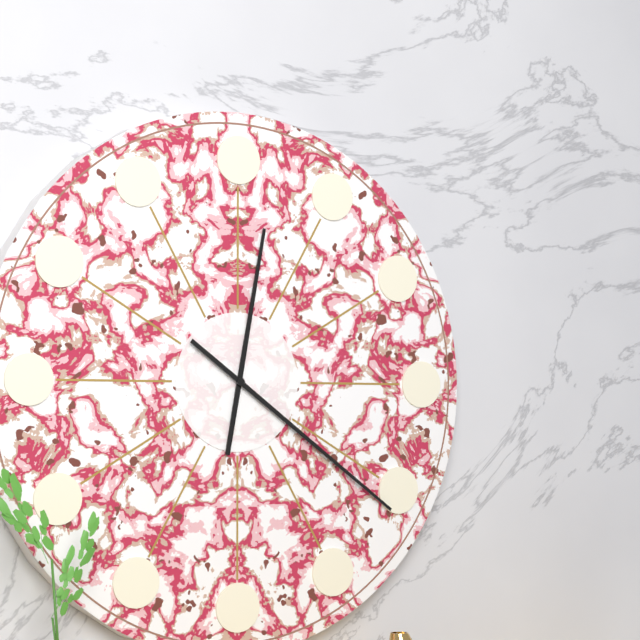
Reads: 12h21
